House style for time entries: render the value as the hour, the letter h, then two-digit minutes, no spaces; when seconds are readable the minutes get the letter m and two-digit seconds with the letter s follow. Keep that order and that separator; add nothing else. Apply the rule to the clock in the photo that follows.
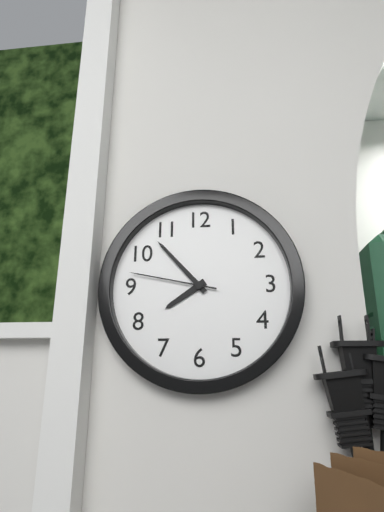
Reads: 7h53m47s
